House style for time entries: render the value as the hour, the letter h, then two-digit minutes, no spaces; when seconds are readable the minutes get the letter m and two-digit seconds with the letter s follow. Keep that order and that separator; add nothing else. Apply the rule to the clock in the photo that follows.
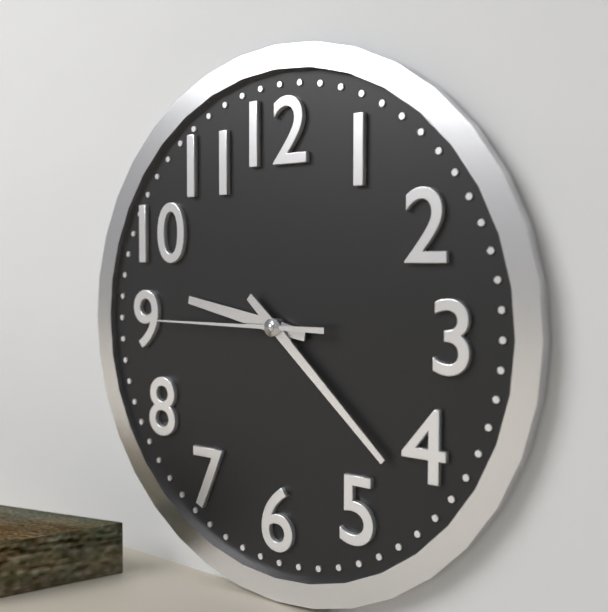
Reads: 9h22m45s
